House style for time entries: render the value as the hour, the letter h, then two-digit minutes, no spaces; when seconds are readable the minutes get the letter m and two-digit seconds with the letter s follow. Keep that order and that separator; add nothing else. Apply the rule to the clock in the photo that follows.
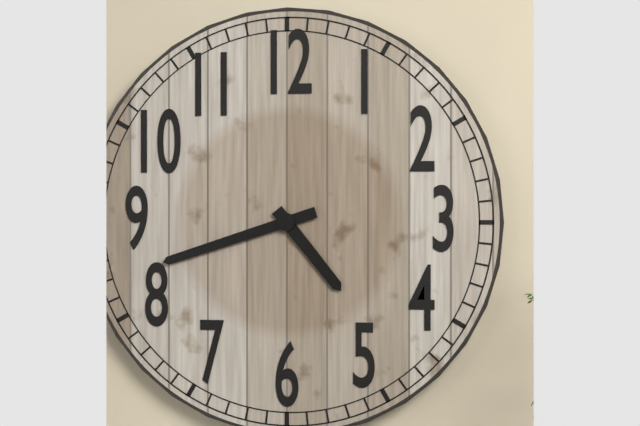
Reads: 4h42
